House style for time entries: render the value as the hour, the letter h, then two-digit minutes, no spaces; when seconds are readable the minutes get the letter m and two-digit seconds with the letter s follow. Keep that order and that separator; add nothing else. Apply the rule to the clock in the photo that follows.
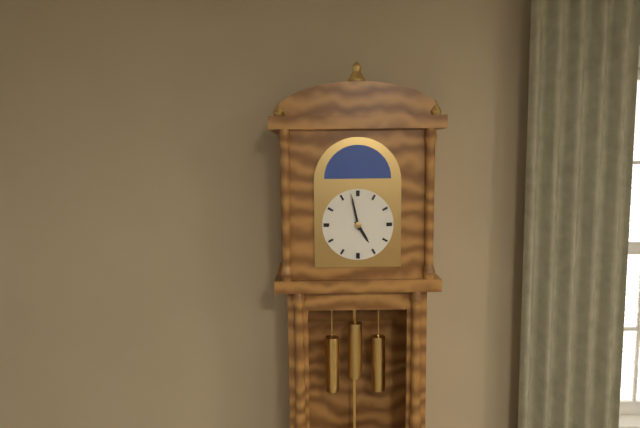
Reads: 4h58
